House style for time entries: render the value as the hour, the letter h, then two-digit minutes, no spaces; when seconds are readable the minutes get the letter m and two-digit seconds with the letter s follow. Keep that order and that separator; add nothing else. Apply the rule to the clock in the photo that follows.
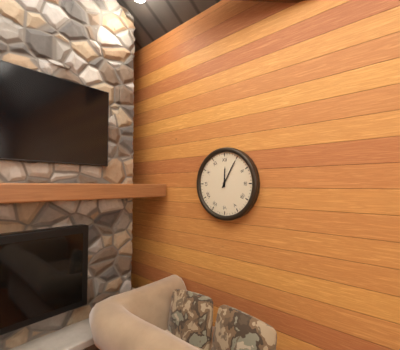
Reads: 12h05
